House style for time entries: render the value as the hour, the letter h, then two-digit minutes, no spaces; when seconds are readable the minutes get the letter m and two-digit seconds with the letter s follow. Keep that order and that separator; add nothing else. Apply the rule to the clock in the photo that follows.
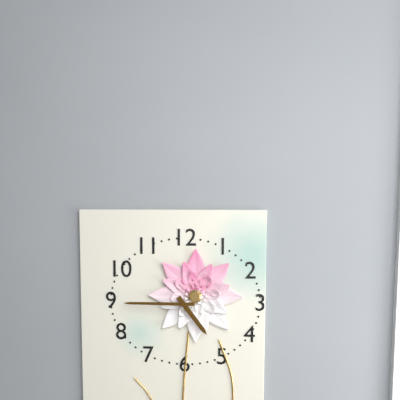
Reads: 4h45
